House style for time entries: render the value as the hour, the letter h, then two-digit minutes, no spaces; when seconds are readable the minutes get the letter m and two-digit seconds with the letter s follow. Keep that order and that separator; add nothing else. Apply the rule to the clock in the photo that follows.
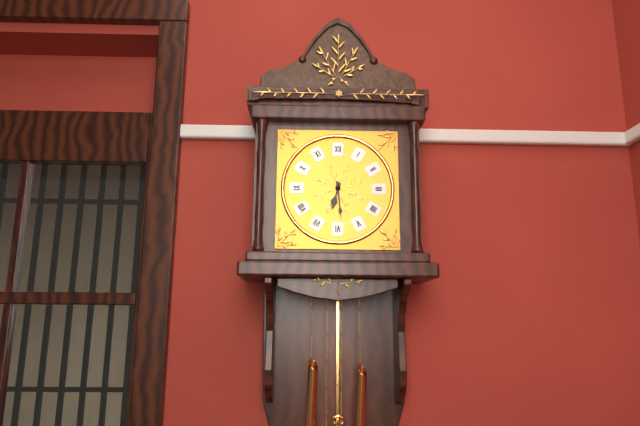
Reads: 6h29
